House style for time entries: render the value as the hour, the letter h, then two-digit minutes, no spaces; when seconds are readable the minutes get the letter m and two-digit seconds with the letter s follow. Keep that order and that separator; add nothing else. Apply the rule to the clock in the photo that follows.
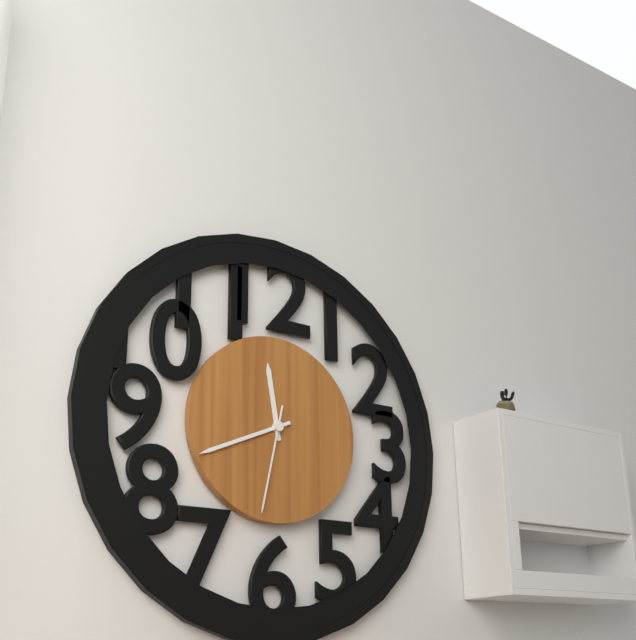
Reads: 11h41m32s
